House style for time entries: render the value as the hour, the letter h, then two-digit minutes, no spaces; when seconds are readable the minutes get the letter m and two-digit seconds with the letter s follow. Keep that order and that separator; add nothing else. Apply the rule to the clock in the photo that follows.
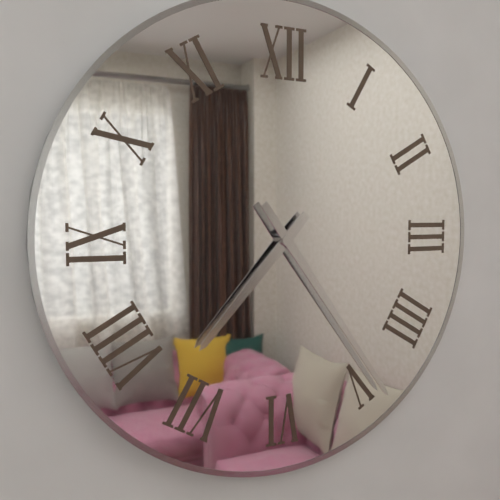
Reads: 7h24
